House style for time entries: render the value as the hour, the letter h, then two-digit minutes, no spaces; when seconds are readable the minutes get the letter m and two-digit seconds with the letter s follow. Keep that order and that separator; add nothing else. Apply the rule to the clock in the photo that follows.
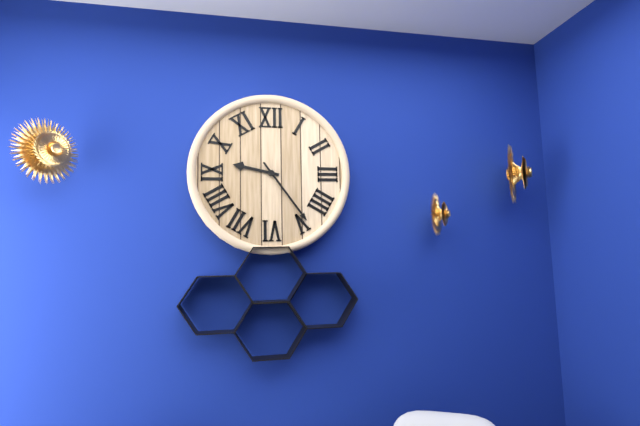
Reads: 9h24
